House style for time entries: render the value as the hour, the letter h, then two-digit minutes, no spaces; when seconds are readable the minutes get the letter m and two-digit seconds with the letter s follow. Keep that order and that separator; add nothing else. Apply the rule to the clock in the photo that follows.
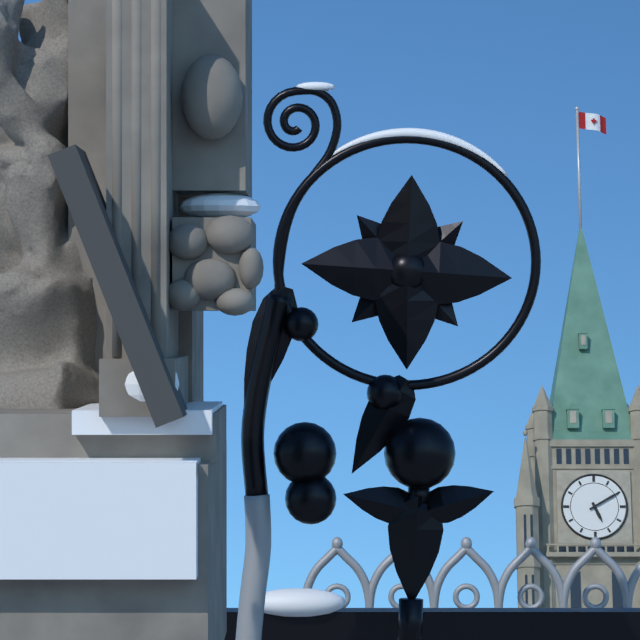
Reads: 5h10
